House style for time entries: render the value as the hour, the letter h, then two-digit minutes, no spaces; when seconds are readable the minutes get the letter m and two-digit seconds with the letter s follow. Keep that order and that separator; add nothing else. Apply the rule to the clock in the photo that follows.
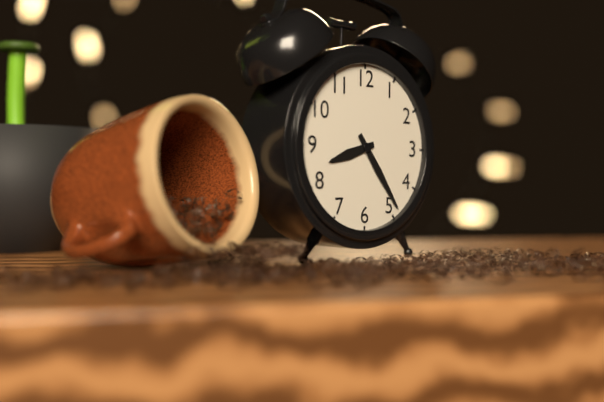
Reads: 8h24
